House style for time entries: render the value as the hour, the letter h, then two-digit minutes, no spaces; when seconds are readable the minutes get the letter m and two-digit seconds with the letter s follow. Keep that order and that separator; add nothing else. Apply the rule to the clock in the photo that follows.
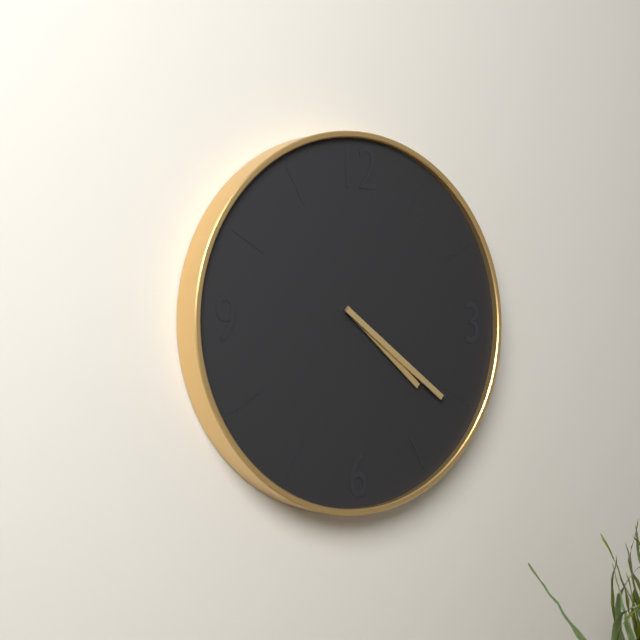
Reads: 4h21
